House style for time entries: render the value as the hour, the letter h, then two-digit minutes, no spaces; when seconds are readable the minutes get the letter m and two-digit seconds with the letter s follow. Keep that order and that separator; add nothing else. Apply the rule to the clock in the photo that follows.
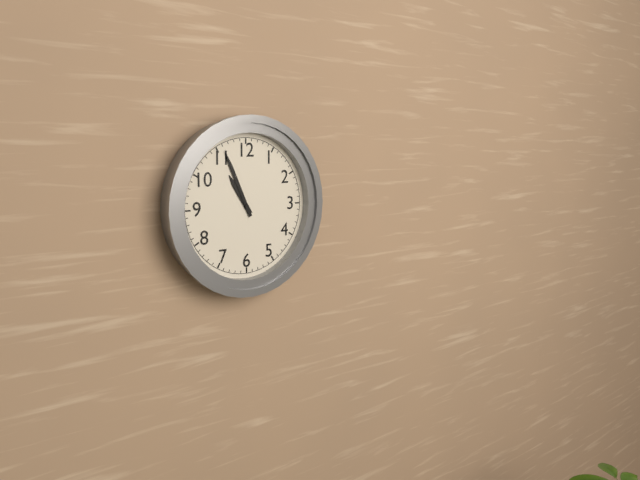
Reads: 10h56
